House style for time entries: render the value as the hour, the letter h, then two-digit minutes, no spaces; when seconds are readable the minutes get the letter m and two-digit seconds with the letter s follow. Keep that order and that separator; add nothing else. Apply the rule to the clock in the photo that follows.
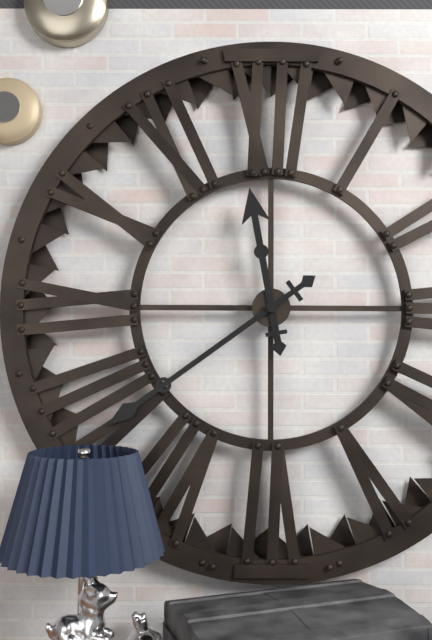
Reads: 11h39
